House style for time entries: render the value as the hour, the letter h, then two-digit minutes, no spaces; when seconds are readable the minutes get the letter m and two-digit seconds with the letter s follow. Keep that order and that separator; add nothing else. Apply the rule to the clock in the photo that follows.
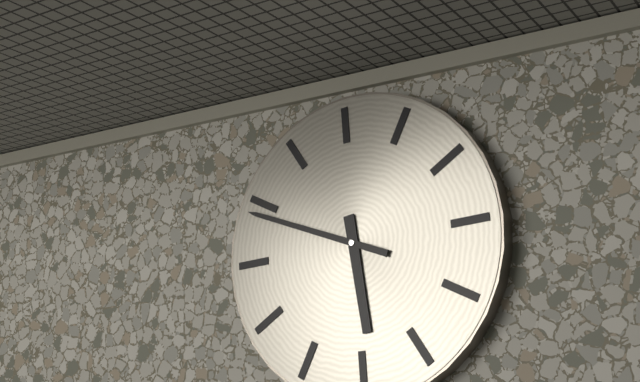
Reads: 5h49
